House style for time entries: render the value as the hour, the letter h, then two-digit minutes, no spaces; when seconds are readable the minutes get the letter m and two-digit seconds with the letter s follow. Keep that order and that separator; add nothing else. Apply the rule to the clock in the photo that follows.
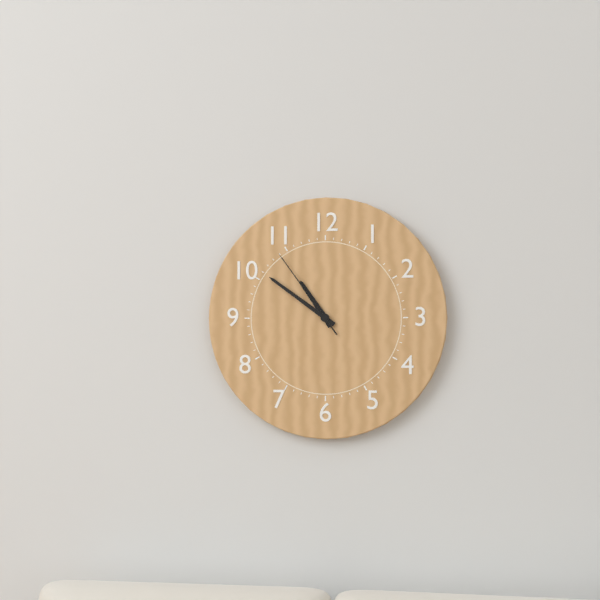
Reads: 10h51m54s
